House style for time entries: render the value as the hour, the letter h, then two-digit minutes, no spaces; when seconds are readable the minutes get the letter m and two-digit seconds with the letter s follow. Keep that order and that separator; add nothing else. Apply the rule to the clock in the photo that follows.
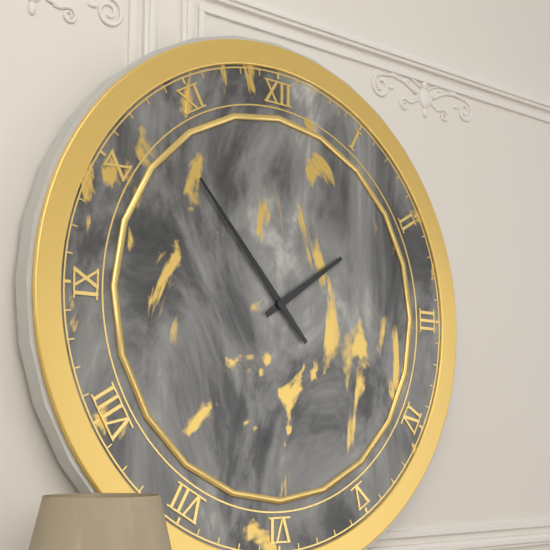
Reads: 1h53
